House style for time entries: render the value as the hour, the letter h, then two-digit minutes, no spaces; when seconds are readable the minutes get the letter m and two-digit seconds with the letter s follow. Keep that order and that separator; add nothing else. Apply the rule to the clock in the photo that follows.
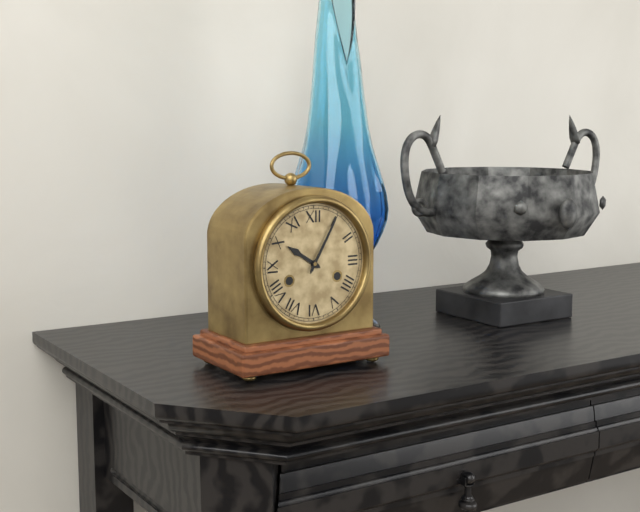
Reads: 10h05
